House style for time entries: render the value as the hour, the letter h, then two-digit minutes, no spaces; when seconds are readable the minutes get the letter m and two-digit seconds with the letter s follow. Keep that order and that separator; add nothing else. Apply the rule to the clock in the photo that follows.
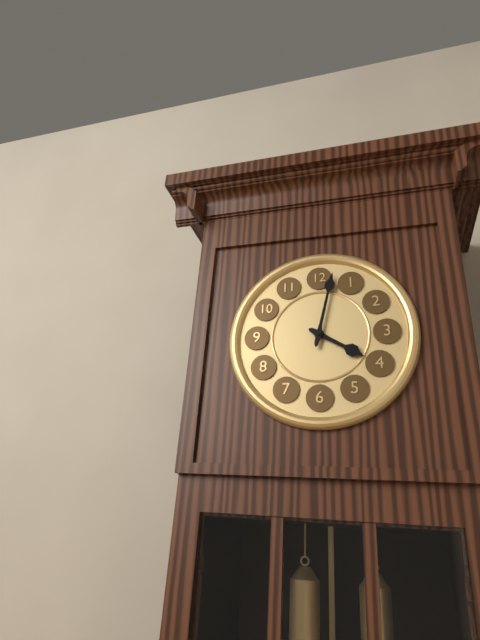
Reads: 4h02
